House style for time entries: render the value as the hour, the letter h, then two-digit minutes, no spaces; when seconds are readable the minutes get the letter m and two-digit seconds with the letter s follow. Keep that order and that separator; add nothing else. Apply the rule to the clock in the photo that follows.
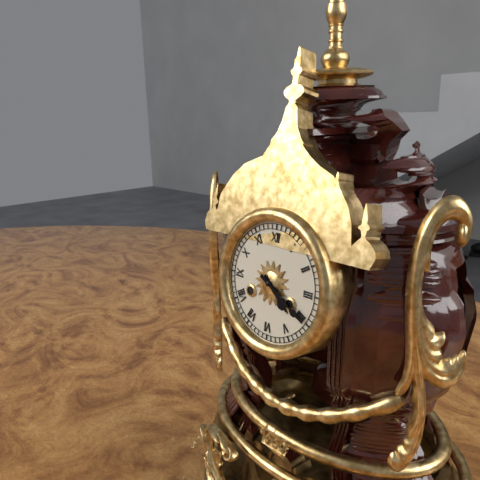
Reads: 4h20
